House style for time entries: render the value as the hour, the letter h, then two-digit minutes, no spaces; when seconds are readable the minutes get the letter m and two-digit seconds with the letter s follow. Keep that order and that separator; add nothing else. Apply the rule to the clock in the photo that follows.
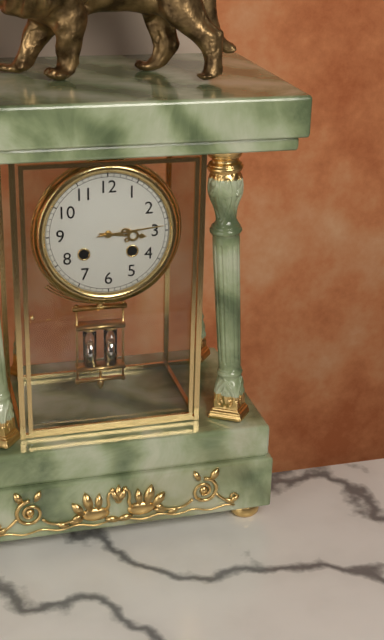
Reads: 3h14
